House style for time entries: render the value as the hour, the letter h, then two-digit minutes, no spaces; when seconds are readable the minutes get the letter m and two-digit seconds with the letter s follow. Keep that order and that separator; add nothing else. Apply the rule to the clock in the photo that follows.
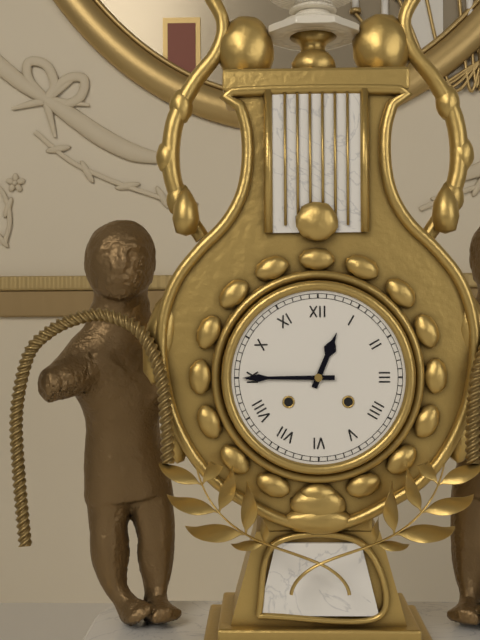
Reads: 12h45
